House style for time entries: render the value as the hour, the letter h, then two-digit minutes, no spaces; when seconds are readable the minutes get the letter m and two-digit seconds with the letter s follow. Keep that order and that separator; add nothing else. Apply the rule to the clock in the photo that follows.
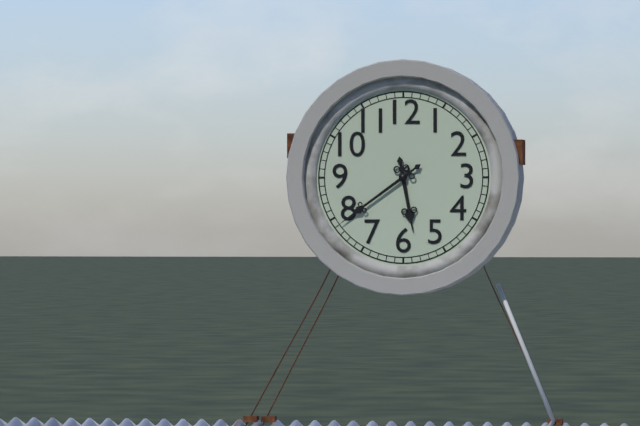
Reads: 5h39
